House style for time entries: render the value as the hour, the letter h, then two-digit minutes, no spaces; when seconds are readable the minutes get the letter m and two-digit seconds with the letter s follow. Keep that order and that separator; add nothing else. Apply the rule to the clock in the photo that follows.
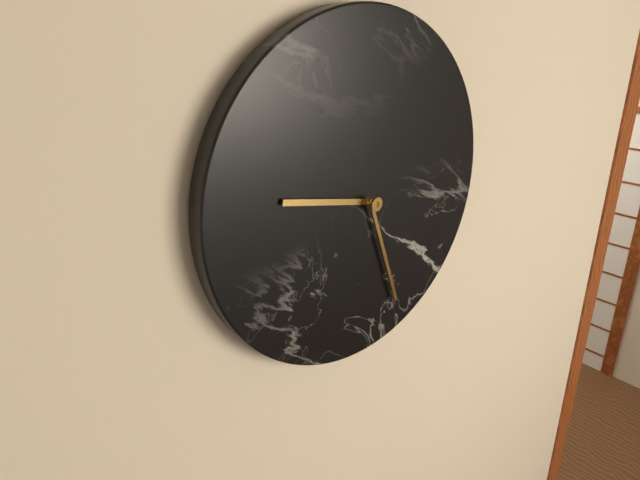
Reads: 9h27
